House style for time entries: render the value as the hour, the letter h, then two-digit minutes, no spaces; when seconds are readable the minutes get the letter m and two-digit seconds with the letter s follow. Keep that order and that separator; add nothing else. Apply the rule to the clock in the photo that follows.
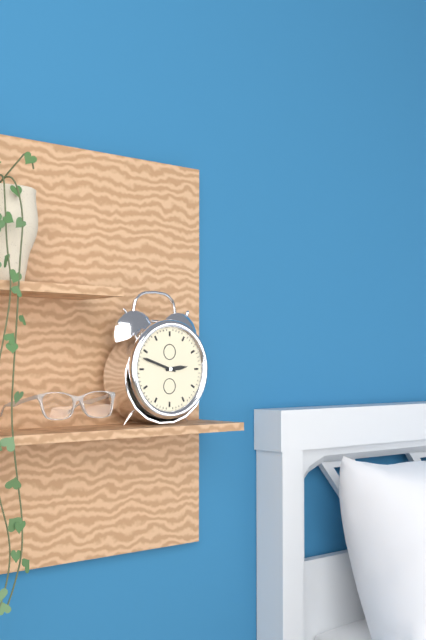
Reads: 2h48
